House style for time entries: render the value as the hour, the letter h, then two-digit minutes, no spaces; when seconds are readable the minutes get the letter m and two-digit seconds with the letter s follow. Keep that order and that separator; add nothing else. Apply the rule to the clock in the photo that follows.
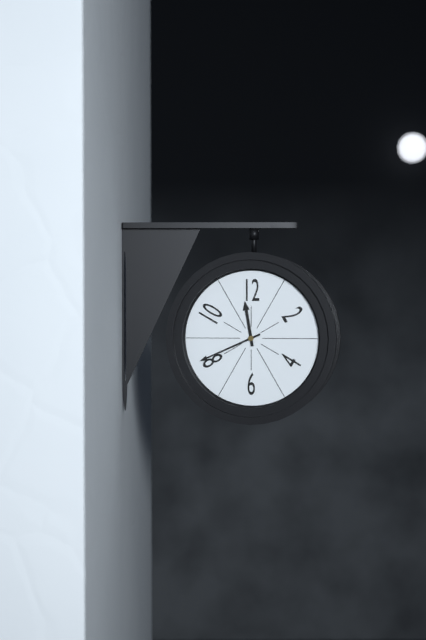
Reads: 11h41
